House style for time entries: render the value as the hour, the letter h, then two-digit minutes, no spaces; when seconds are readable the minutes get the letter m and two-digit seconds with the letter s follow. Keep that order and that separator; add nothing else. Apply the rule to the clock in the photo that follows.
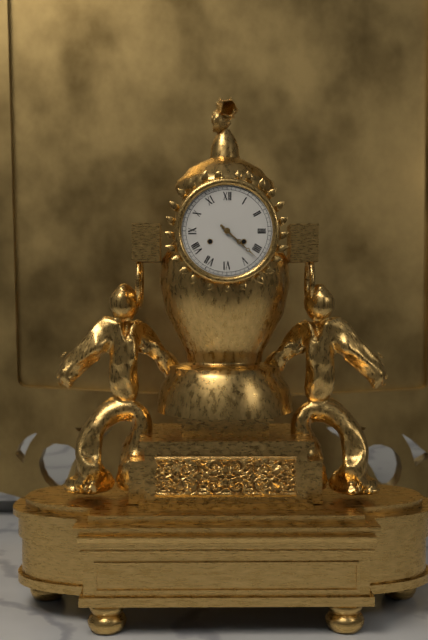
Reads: 4h22
